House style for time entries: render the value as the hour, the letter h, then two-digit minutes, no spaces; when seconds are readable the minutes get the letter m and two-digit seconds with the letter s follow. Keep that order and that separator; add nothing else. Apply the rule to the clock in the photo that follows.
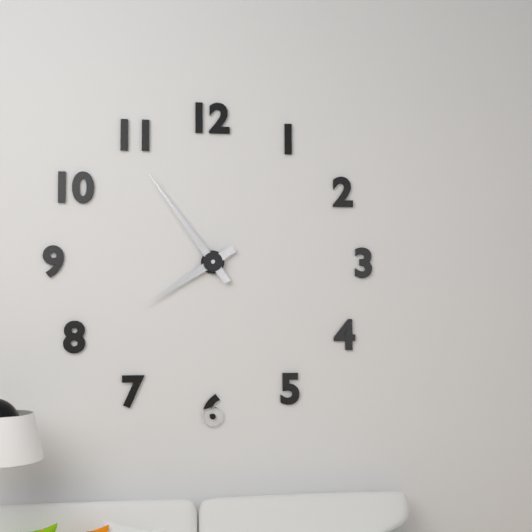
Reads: 7h54
